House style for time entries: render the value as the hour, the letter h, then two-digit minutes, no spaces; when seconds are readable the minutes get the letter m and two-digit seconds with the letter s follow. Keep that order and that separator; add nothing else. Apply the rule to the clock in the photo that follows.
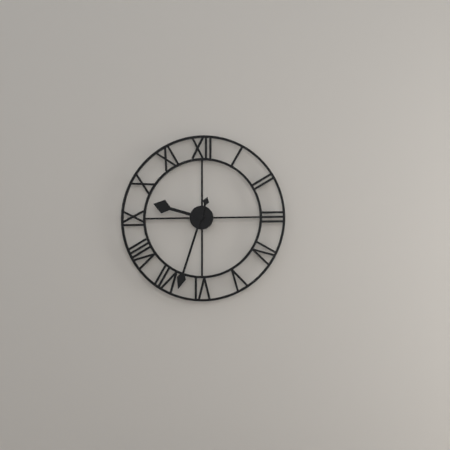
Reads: 9h33
